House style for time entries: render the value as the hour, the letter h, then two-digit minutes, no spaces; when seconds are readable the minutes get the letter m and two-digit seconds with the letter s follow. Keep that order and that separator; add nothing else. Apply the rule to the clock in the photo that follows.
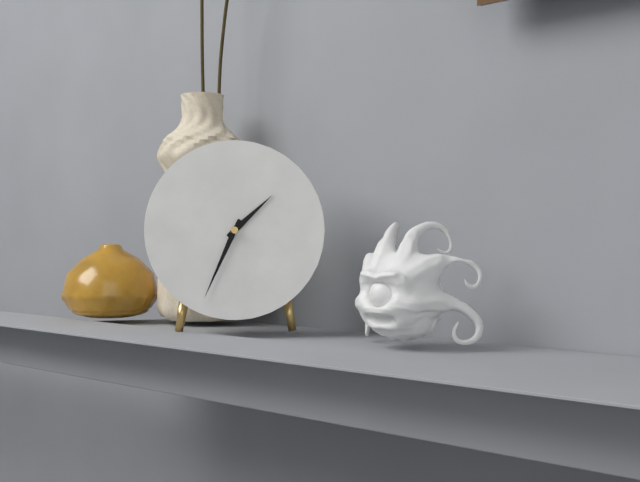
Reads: 1h34
